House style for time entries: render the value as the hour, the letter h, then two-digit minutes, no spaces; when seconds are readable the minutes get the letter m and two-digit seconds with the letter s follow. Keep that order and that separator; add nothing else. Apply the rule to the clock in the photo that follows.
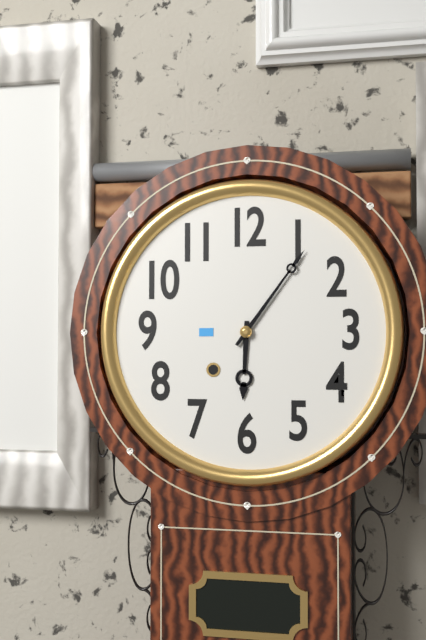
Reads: 6h06
